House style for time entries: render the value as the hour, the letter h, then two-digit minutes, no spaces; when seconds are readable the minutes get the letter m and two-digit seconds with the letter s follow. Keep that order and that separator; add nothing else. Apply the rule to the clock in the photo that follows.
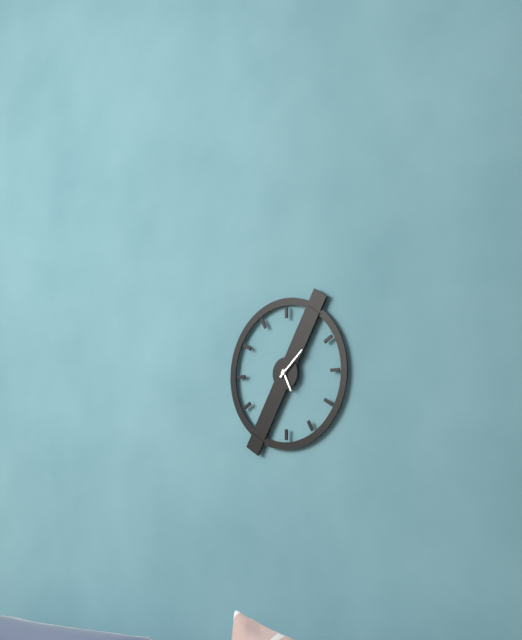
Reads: 5h08
